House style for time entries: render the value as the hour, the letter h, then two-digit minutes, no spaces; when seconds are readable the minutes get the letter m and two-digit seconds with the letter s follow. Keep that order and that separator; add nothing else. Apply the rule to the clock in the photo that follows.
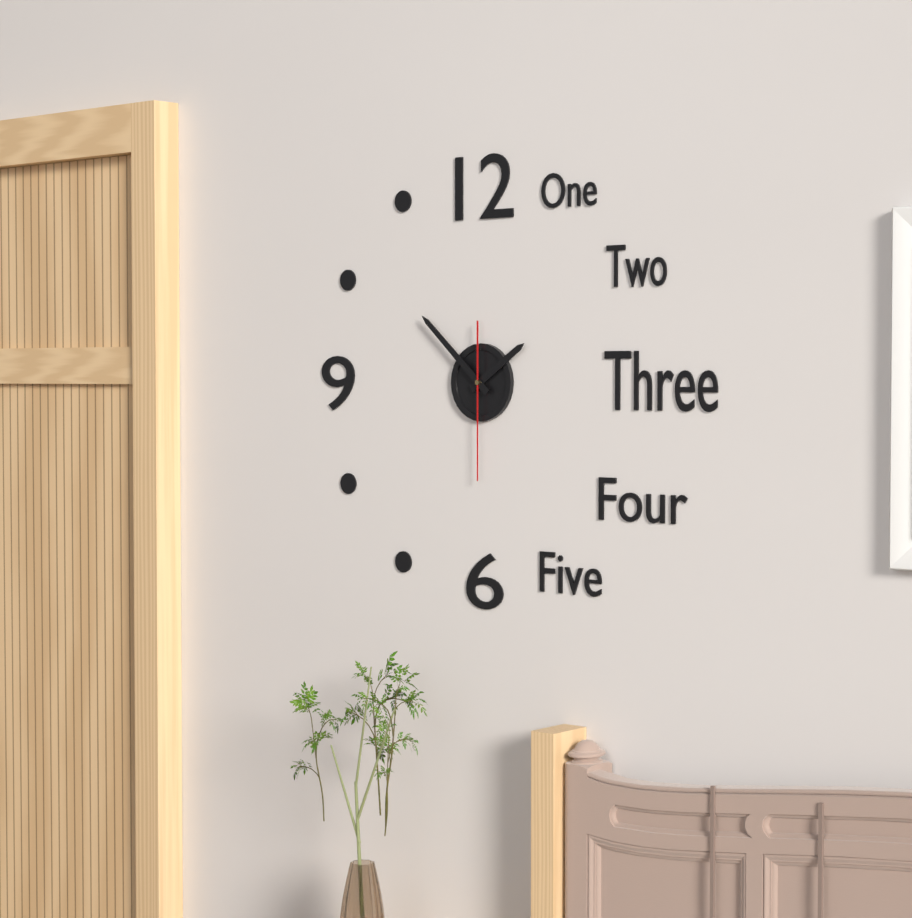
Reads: 1h52m30s
